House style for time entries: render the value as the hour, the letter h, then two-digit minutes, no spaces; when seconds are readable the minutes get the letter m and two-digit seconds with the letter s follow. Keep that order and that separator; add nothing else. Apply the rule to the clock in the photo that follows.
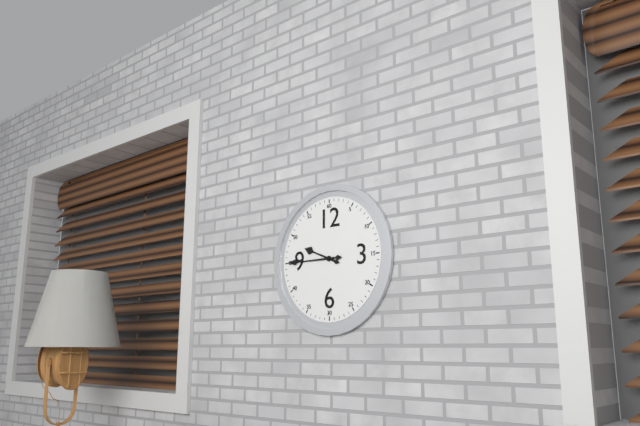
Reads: 9h45
